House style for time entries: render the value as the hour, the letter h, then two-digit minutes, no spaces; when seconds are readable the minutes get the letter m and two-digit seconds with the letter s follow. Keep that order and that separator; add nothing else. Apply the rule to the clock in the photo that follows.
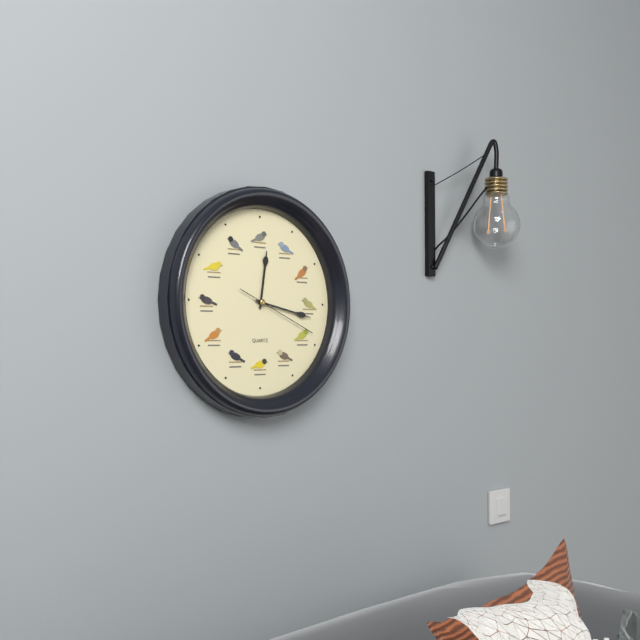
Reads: 12h17m19s
